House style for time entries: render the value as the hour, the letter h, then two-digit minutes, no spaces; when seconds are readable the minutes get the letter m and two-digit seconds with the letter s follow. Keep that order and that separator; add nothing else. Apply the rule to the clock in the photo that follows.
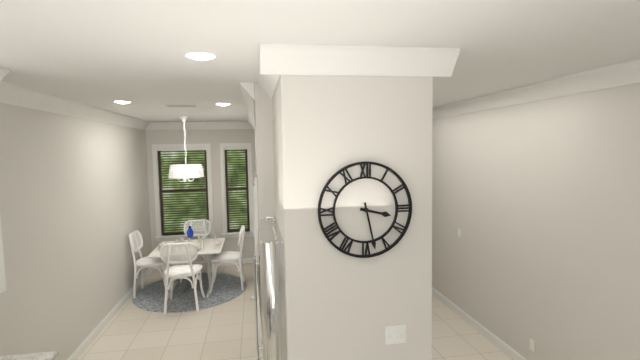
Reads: 3h28
